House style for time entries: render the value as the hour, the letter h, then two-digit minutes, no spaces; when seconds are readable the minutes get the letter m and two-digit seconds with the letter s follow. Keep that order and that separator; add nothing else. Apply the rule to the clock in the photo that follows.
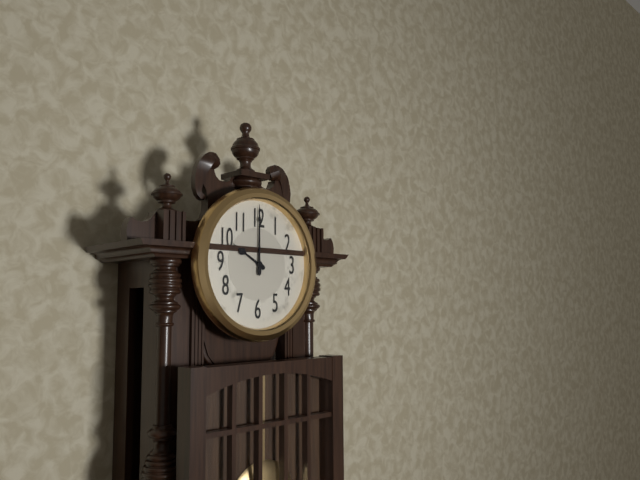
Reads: 10h00
